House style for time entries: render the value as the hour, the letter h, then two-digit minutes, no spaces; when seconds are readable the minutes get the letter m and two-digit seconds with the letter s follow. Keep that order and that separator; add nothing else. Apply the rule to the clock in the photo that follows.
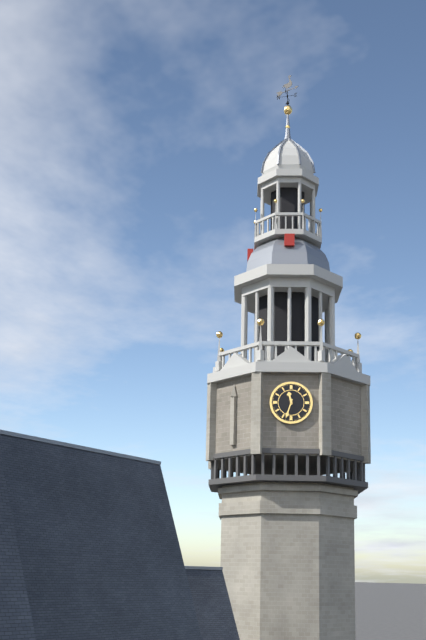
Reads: 11h33
